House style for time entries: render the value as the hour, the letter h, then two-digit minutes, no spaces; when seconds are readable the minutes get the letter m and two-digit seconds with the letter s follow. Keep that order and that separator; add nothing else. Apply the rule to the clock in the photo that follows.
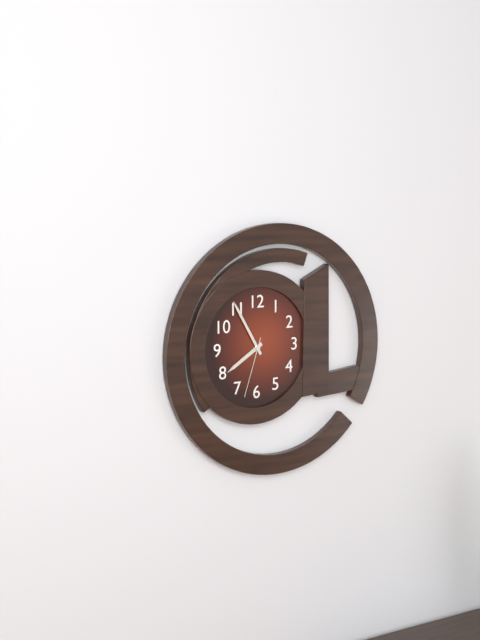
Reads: 7h55m33s
